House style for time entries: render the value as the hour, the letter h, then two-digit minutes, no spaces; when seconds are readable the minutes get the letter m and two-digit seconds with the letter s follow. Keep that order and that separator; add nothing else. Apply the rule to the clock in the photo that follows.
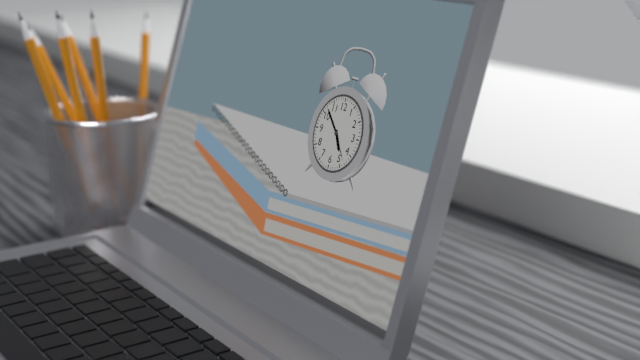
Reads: 4h52
